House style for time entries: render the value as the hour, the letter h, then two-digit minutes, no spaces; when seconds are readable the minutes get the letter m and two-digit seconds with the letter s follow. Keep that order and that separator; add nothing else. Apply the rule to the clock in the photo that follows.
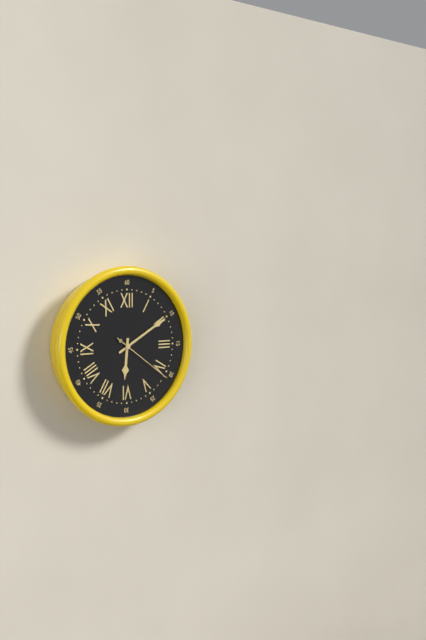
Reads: 6h10m21s
